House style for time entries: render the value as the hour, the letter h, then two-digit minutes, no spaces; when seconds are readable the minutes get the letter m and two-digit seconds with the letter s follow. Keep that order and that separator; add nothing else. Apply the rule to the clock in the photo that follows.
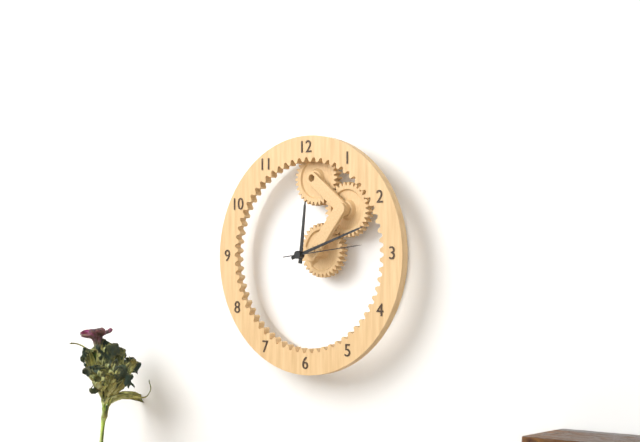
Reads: 12h12m14s
